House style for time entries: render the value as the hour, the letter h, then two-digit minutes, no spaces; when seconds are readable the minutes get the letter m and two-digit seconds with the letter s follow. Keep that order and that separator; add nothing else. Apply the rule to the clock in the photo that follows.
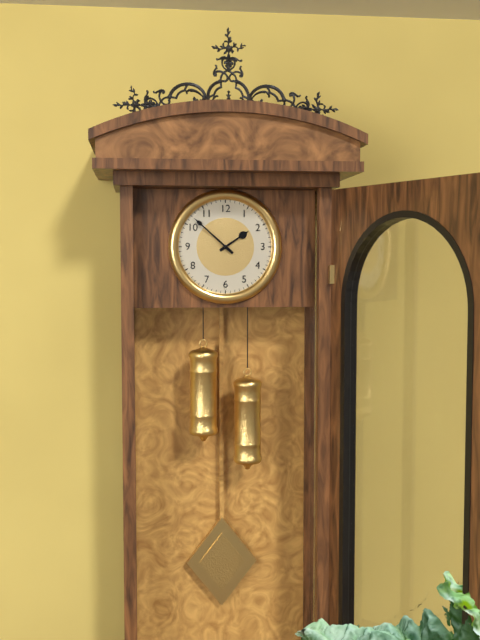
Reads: 1h52
